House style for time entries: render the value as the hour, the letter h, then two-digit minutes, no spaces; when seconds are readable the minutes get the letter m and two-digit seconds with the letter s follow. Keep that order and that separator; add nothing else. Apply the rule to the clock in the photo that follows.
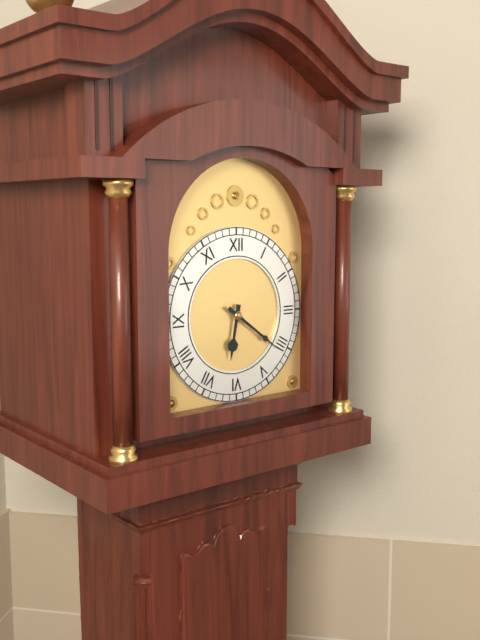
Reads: 6h21
